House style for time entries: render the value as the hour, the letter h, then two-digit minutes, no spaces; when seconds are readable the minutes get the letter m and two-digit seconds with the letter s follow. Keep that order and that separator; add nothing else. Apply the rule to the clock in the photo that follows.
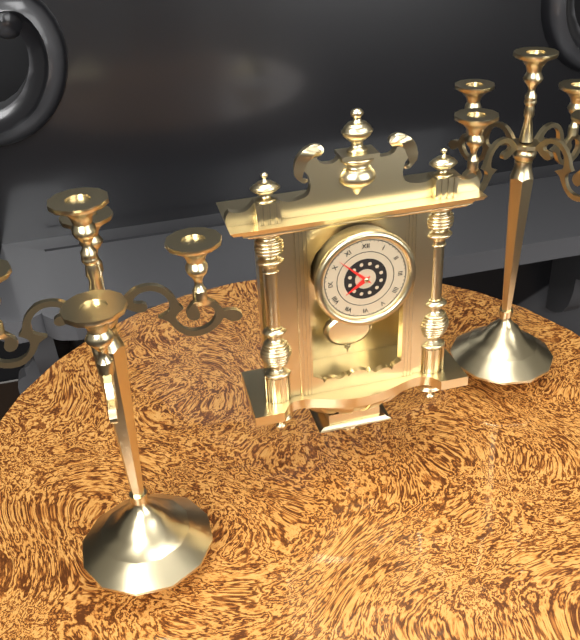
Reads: 7h52
